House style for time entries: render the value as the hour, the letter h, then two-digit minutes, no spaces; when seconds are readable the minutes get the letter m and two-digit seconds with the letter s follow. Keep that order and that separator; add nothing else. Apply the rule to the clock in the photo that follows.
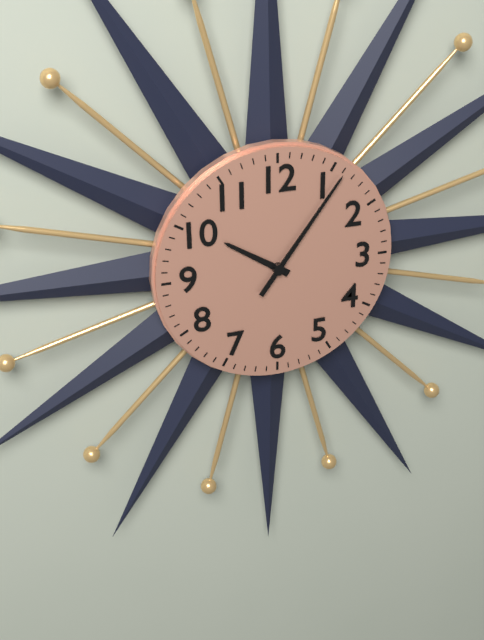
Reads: 10h06
